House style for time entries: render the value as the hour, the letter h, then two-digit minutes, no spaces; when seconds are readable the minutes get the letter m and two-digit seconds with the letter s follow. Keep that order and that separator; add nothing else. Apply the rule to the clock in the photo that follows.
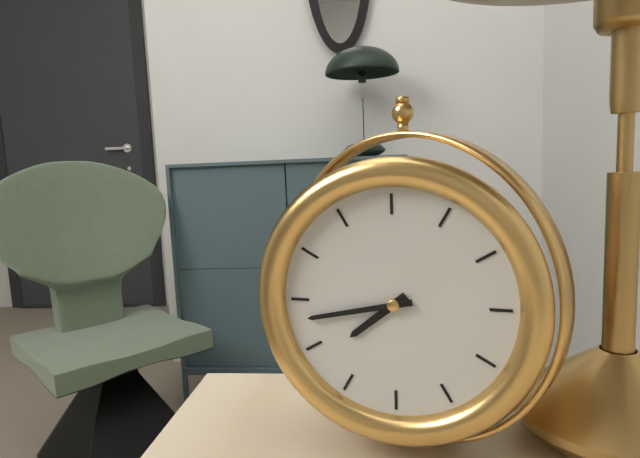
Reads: 7h43
